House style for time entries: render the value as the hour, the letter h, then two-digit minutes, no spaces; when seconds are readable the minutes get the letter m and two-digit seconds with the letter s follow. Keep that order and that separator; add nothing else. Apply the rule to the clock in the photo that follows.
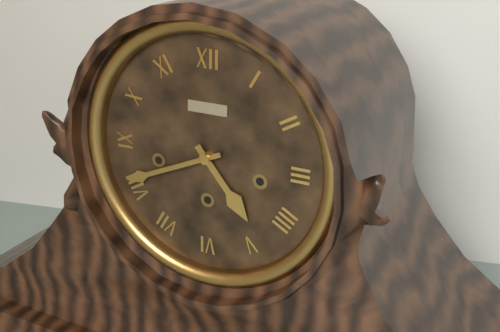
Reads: 4h41
